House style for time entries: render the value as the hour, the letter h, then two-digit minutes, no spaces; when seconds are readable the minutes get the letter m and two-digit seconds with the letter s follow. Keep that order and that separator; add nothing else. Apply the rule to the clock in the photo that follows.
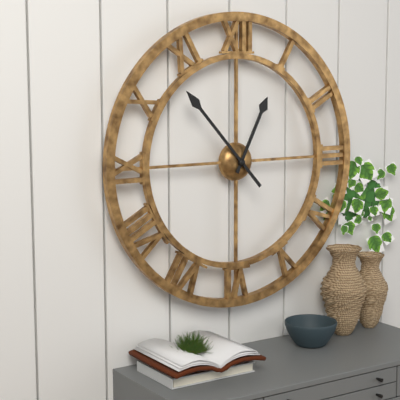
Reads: 12h53
